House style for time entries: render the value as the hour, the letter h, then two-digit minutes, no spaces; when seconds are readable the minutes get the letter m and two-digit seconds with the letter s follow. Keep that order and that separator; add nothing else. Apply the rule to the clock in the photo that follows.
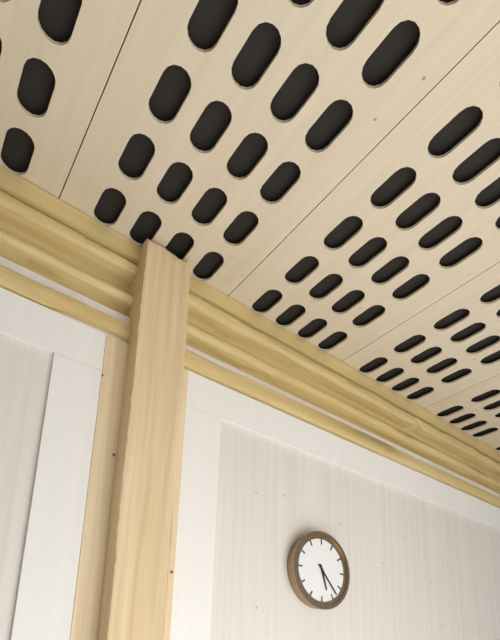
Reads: 5h23
